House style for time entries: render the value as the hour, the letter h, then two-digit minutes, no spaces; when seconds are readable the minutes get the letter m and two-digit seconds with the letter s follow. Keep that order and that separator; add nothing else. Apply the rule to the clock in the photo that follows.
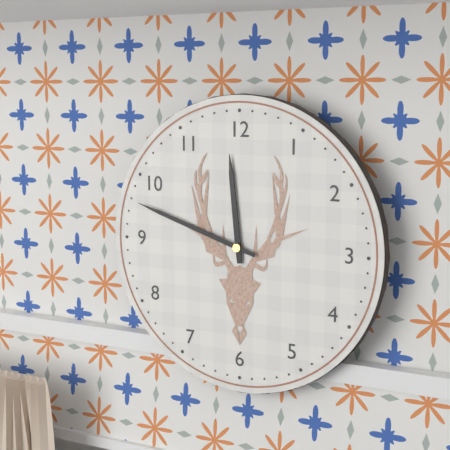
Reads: 11h48
